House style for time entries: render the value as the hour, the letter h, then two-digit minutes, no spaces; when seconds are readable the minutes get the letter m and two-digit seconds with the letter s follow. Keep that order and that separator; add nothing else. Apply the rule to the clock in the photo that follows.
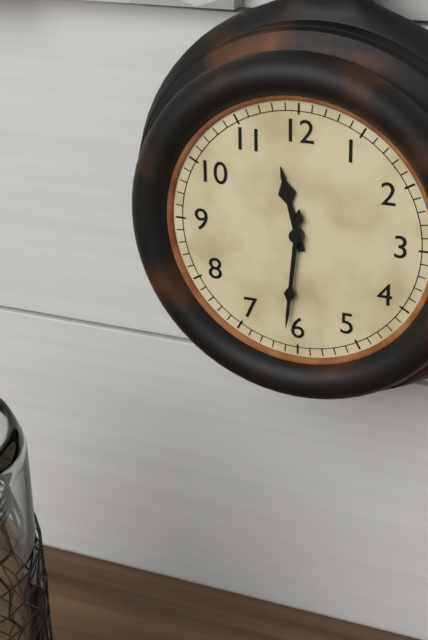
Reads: 11h31
